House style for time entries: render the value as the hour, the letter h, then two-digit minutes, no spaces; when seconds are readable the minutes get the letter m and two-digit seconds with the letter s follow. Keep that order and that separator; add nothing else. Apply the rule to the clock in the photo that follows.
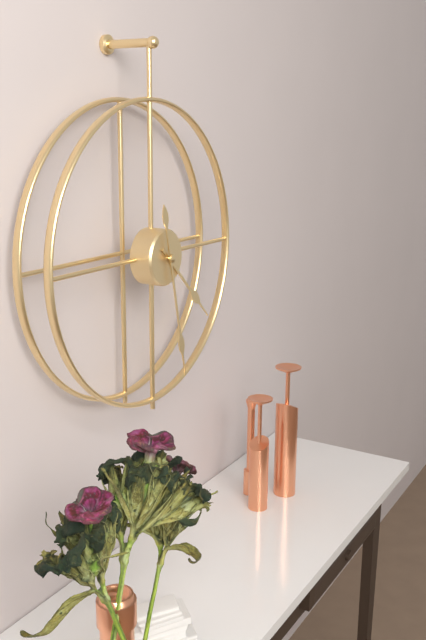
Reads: 4h28
